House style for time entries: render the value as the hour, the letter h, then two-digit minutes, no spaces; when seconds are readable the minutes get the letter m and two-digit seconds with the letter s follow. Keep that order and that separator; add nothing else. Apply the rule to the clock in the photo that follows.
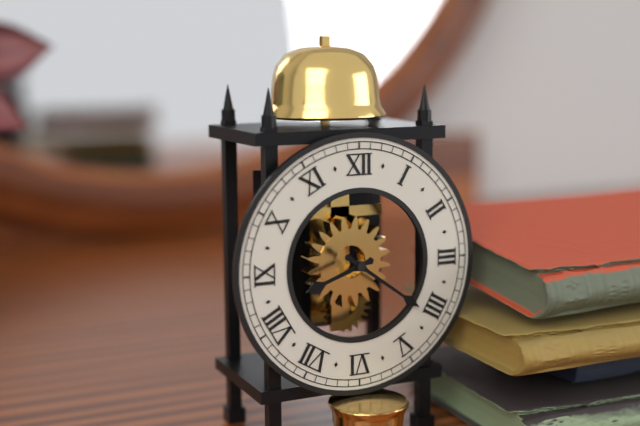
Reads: 8h21
